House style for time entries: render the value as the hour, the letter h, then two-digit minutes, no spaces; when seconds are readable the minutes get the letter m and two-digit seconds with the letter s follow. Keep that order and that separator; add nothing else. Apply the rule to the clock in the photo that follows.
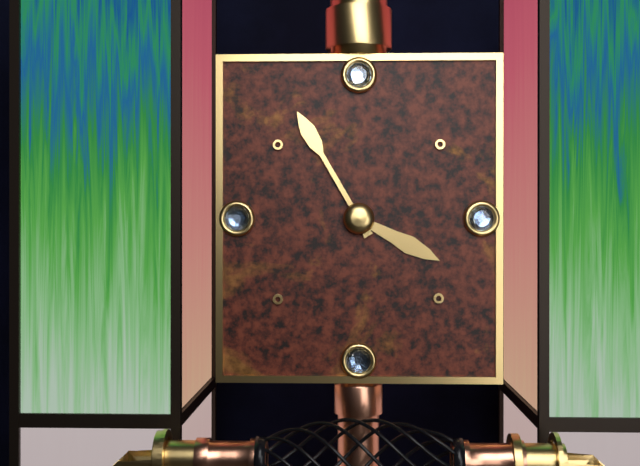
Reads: 3h55
